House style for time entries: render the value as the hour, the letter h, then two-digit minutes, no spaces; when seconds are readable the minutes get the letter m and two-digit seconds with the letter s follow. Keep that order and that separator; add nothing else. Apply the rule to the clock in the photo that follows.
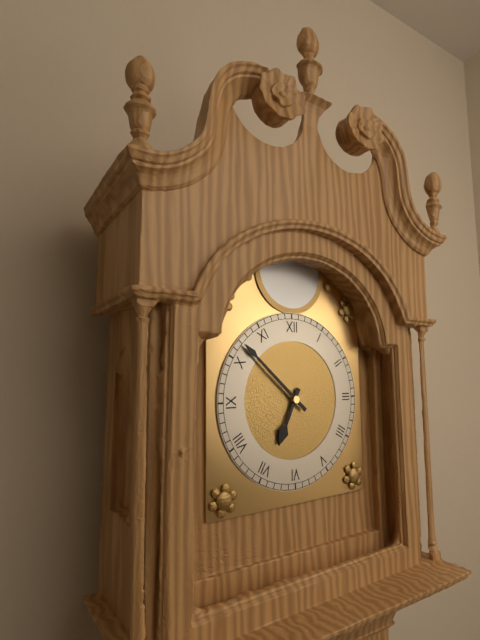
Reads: 6h52
